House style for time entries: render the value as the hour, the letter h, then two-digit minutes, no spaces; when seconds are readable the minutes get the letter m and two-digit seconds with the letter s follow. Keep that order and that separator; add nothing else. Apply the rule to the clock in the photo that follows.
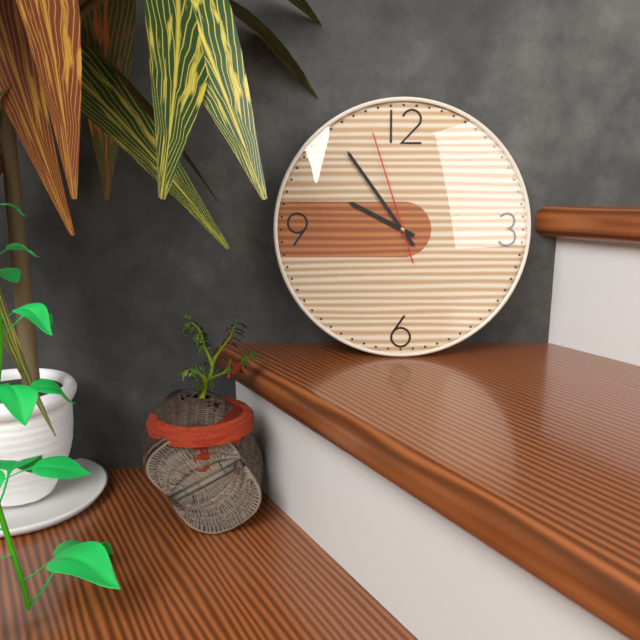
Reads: 9h54m57s
